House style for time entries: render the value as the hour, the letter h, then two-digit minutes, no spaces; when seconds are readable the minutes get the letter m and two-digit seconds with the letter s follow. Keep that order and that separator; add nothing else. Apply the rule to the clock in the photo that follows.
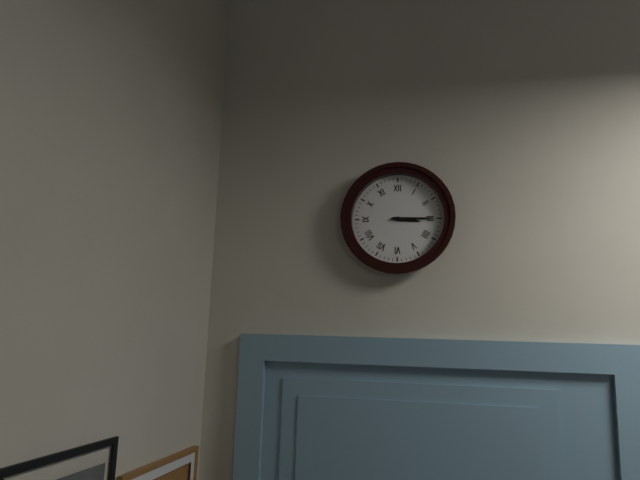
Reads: 3h15
